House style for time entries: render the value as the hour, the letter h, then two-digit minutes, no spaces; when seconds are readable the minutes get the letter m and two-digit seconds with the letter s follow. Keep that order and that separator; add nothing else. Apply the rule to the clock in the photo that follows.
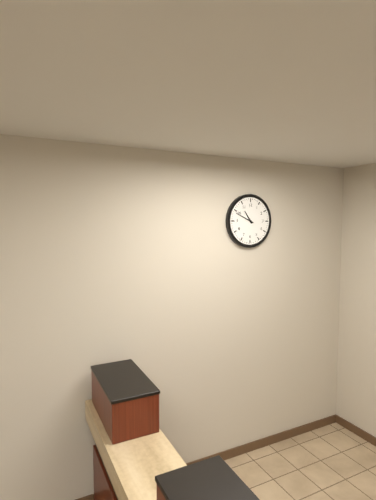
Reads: 10h49
